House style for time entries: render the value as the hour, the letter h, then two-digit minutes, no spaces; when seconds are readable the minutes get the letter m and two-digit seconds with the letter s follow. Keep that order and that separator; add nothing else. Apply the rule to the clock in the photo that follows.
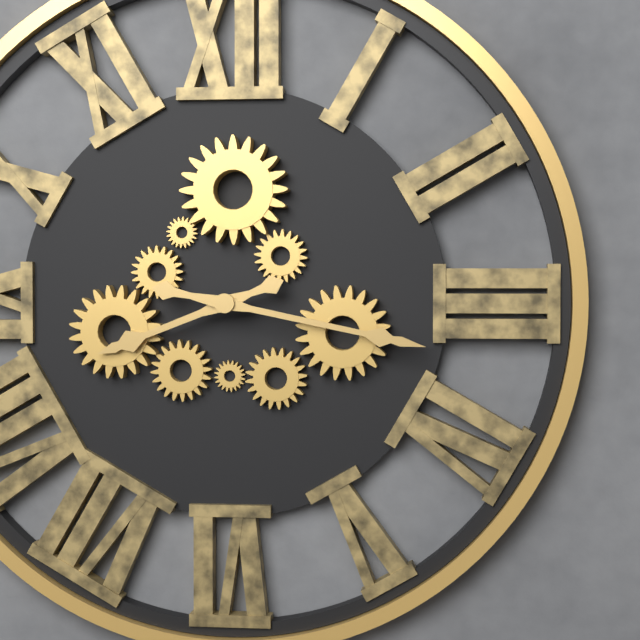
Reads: 8h17
